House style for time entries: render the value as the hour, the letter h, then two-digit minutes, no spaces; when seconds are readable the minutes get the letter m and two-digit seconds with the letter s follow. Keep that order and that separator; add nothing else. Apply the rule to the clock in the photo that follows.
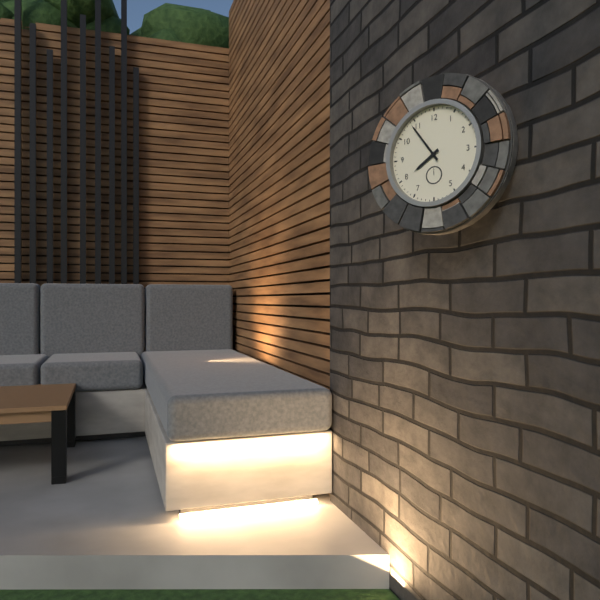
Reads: 7h54
